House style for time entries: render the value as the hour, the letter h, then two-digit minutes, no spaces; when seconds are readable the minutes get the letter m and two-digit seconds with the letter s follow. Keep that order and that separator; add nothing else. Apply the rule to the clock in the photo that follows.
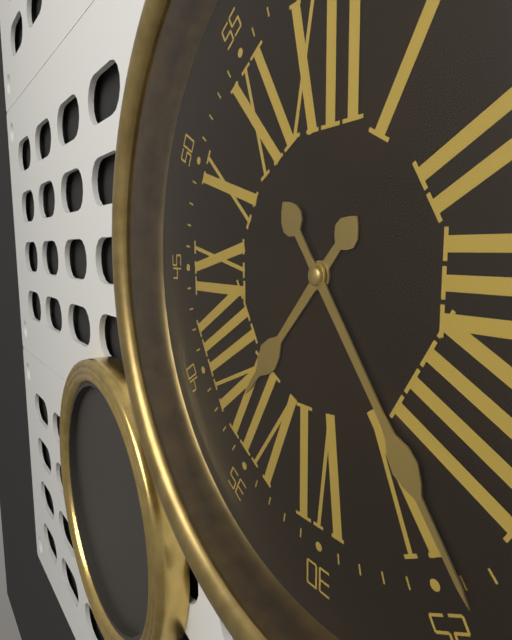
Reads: 7h24
